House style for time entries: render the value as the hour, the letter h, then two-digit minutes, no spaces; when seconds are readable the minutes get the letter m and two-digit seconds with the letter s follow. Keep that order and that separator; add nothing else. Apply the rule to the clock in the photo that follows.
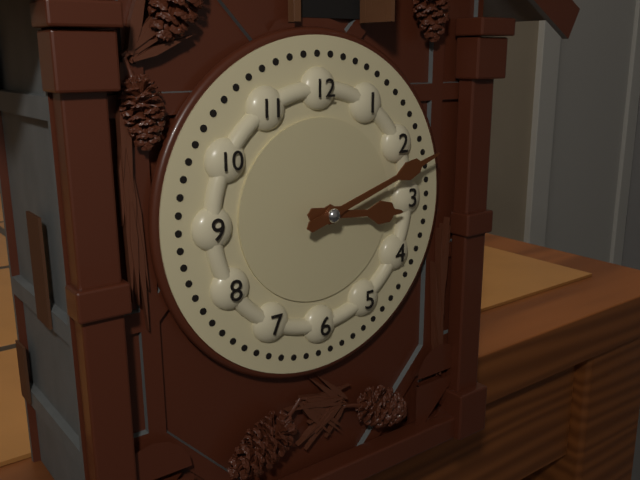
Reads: 3h12
